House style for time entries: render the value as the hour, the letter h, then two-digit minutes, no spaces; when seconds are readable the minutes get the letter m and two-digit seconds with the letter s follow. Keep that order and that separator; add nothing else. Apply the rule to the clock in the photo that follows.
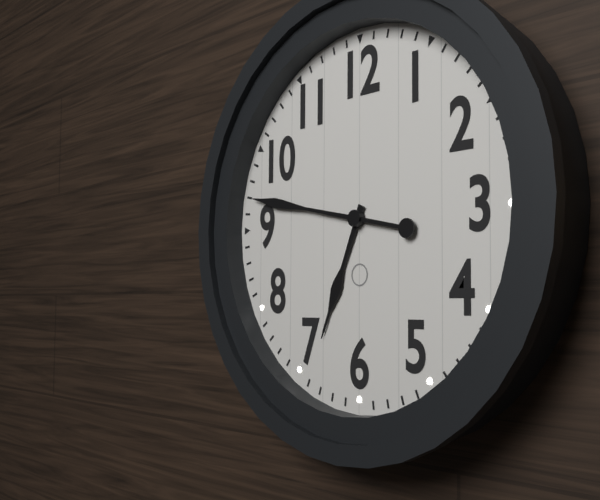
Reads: 6h47
